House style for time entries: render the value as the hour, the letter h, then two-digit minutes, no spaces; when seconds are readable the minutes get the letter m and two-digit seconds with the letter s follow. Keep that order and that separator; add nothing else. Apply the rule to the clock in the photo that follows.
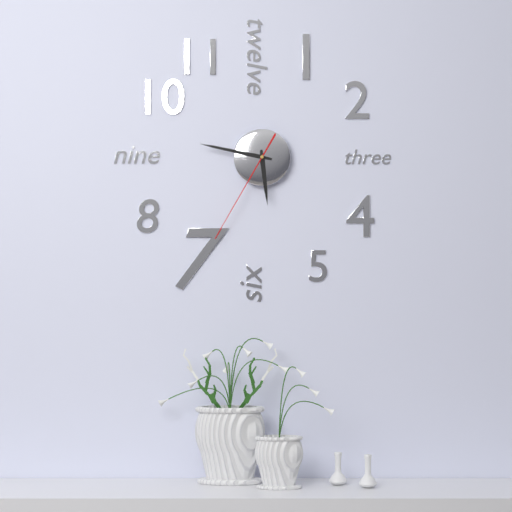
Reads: 5h47m35s
